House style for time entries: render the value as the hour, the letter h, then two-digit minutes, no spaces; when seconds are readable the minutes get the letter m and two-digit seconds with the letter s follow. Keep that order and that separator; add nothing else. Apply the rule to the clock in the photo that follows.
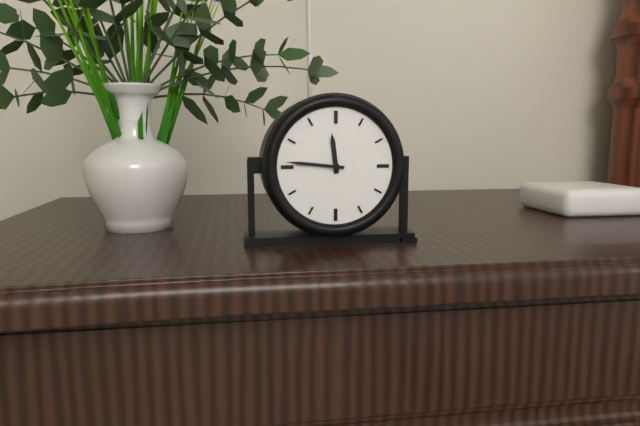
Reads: 11h46
